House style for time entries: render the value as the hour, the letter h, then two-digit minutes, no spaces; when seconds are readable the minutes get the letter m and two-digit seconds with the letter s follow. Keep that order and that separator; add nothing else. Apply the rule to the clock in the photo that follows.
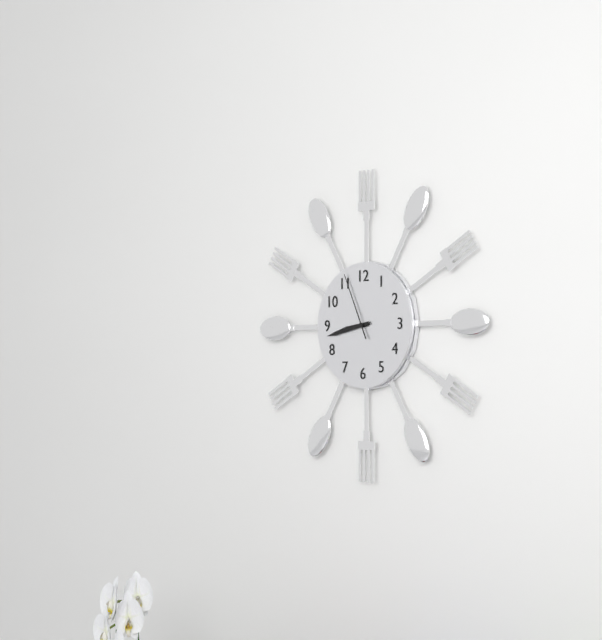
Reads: 8h43m56s
